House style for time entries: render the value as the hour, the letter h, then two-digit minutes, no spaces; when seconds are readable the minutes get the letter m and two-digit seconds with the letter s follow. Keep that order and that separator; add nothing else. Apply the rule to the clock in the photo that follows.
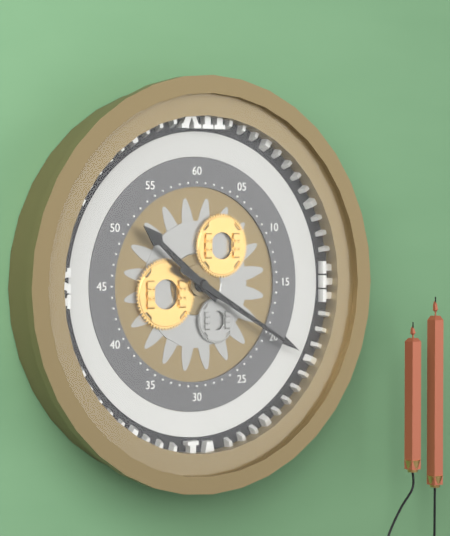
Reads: 10h20
